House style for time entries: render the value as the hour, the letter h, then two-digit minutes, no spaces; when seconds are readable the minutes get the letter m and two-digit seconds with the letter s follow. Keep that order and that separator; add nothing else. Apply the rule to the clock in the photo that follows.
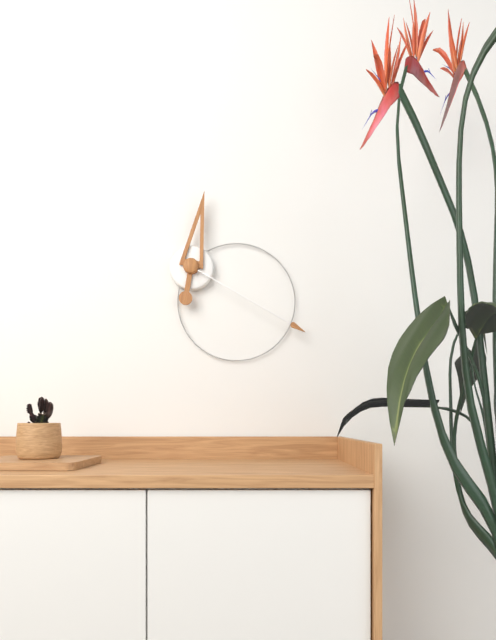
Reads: 12h20
